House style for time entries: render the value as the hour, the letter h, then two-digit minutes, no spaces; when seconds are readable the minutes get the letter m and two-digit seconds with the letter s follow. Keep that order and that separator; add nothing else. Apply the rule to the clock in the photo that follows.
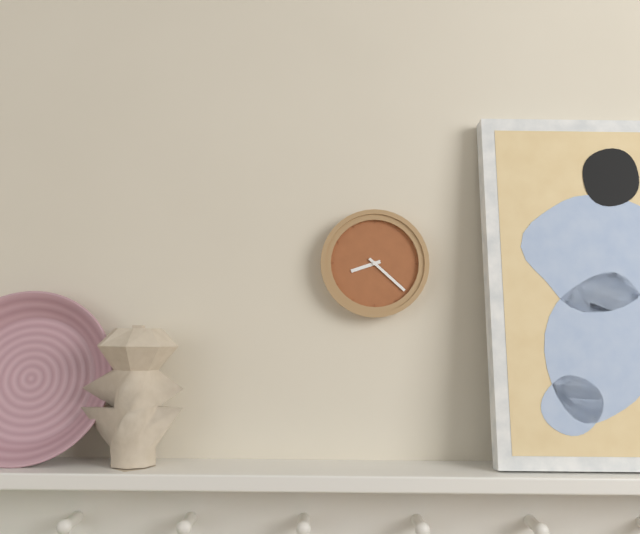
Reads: 8h22
